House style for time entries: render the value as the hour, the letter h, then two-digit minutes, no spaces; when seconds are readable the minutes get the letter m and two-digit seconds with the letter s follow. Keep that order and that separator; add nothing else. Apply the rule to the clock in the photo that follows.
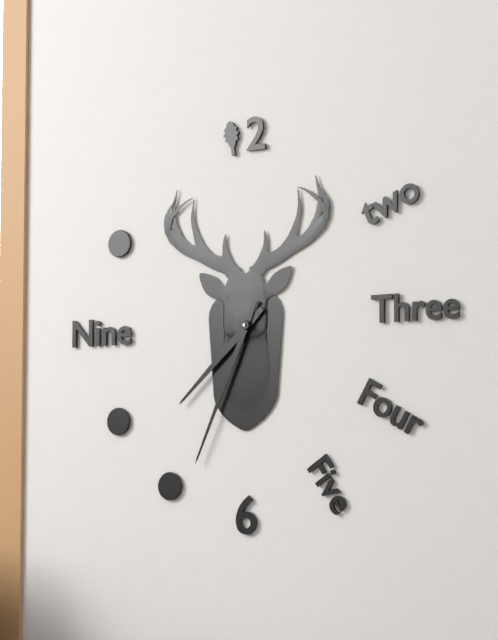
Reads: 7h34
